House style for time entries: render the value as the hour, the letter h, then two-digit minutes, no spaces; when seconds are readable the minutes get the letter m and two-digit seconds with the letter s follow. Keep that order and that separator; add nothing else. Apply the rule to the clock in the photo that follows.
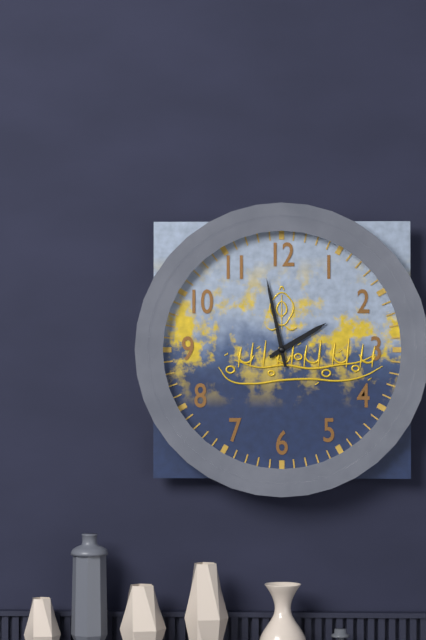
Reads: 1h58
